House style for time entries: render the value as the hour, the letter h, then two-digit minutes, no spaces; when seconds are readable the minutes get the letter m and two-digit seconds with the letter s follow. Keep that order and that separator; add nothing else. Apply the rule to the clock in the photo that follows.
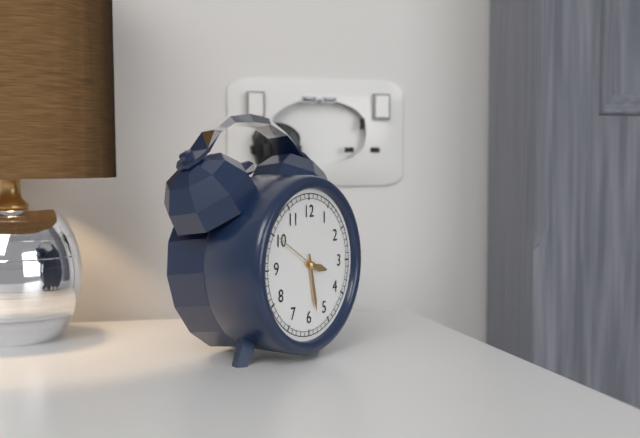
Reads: 3h28m50s
